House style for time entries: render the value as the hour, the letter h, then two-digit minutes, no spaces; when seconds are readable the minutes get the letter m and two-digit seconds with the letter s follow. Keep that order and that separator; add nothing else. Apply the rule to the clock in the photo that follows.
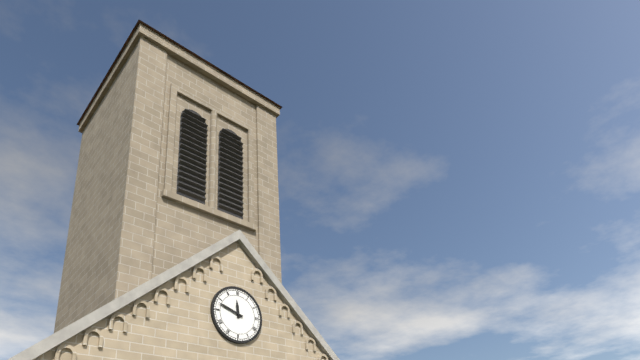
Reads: 11h48
